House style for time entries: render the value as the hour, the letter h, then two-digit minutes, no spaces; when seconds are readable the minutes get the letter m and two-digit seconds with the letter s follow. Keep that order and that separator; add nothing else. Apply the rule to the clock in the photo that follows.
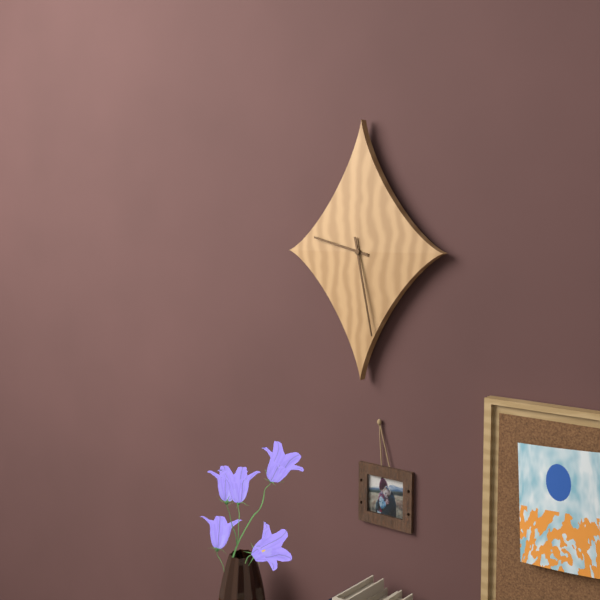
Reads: 9h28
